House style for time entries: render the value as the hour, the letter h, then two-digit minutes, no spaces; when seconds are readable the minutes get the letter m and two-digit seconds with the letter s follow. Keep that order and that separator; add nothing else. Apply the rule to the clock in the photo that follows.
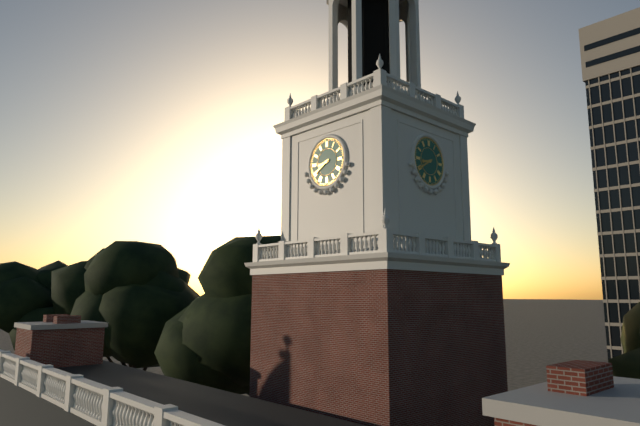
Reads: 8h40
